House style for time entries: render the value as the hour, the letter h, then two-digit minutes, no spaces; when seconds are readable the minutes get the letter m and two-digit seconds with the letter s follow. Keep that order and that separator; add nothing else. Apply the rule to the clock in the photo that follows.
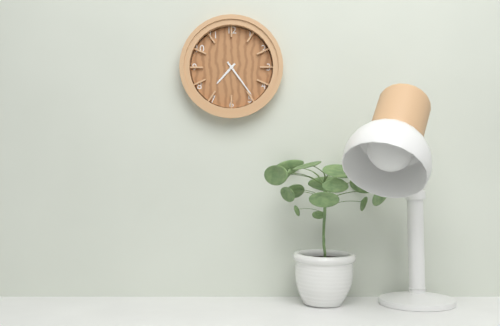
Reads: 7h24
